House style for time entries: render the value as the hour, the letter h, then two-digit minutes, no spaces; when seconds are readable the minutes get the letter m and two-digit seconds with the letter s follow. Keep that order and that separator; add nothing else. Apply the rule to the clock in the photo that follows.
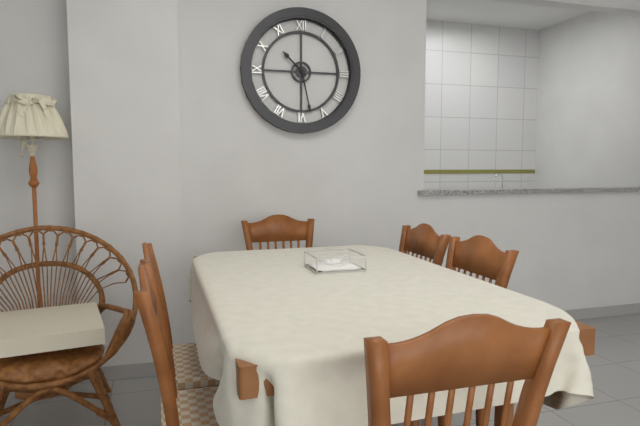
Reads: 10h28
